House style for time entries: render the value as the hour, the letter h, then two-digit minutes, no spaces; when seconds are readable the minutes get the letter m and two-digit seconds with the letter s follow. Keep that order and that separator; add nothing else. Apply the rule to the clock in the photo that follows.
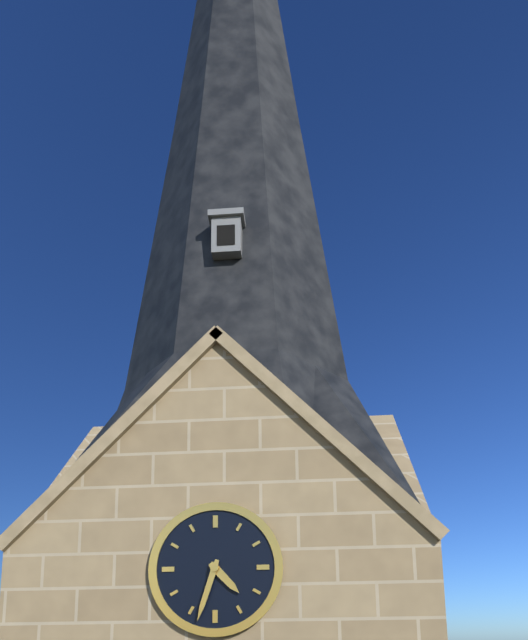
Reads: 4h33
